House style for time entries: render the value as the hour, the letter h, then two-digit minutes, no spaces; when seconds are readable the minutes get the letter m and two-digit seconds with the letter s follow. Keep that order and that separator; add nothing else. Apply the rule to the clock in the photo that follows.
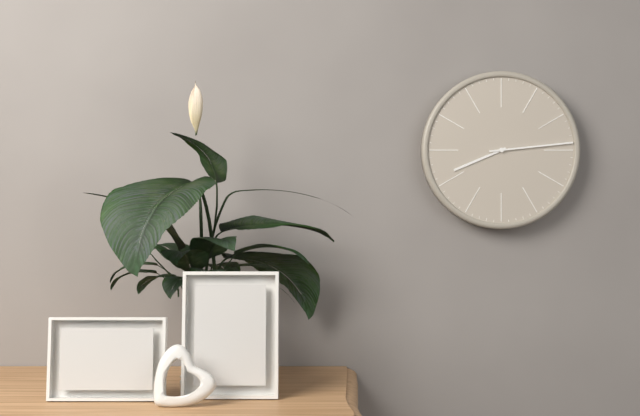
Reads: 8h14
